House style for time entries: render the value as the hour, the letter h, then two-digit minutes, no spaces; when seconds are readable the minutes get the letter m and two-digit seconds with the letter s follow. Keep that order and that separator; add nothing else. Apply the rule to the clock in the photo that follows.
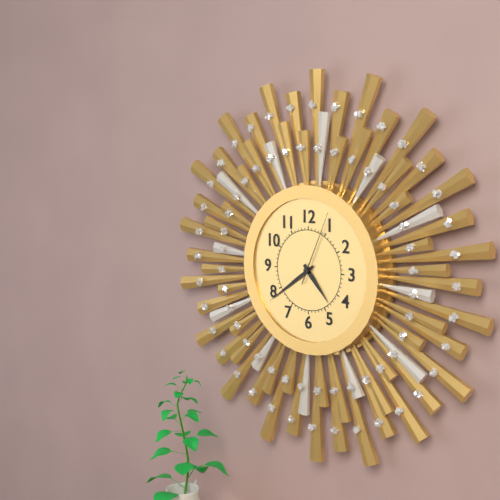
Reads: 4h39m04s
